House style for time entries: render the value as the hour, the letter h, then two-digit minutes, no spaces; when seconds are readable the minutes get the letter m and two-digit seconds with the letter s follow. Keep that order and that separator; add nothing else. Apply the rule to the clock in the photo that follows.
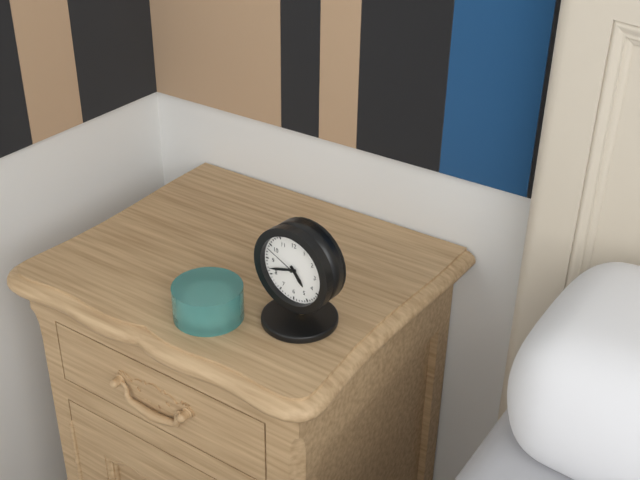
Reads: 4h42
